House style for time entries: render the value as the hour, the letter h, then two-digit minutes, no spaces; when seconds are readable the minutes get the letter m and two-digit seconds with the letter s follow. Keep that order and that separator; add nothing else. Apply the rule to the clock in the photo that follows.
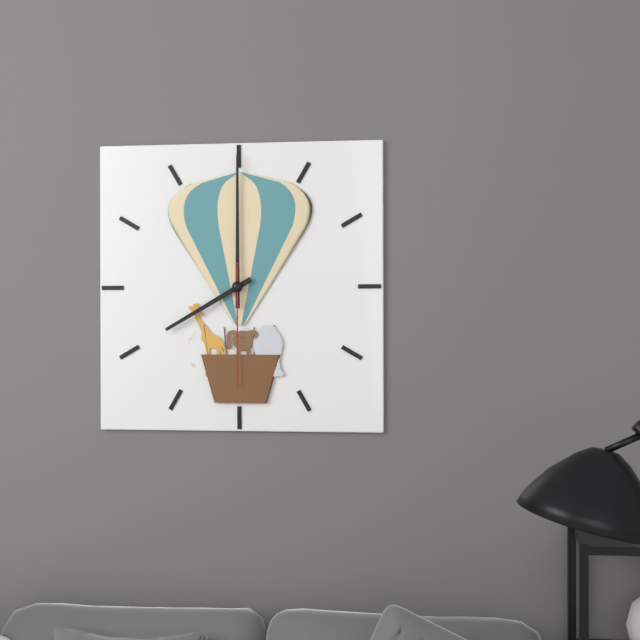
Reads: 8h00m30s
